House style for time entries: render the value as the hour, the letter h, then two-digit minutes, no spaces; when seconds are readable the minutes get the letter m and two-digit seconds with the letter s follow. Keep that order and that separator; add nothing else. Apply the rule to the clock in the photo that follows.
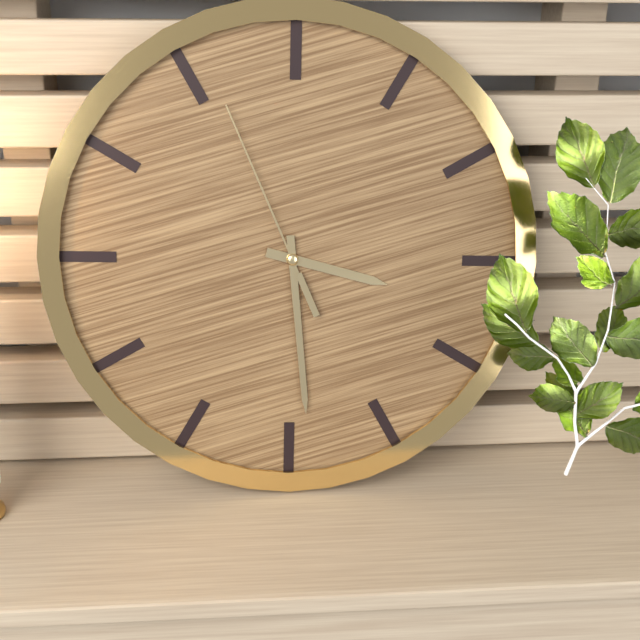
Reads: 3h29m56s
